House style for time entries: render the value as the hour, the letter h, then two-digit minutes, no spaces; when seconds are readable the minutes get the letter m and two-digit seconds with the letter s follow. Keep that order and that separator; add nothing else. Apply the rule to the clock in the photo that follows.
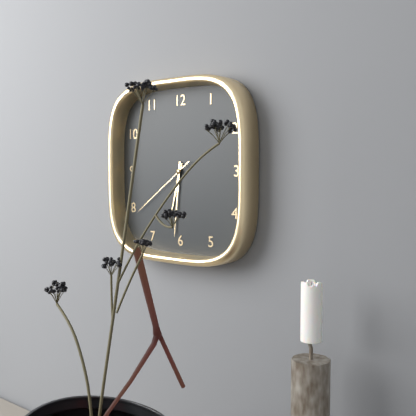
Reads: 6h31m39s
